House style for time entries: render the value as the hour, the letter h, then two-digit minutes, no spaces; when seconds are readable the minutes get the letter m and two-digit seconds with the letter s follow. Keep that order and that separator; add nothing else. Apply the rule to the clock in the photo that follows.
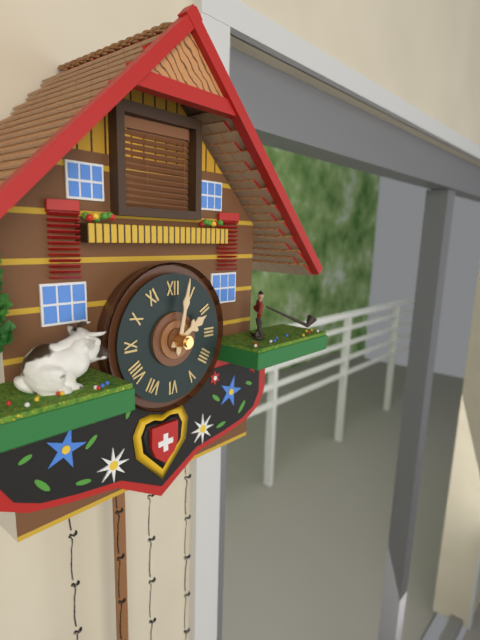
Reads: 2h02
